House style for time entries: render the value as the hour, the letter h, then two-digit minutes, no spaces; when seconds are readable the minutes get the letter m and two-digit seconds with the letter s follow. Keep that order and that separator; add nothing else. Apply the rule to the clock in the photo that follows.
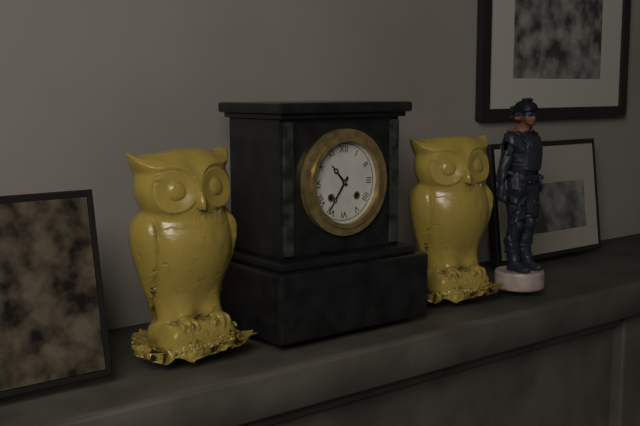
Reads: 10h36
